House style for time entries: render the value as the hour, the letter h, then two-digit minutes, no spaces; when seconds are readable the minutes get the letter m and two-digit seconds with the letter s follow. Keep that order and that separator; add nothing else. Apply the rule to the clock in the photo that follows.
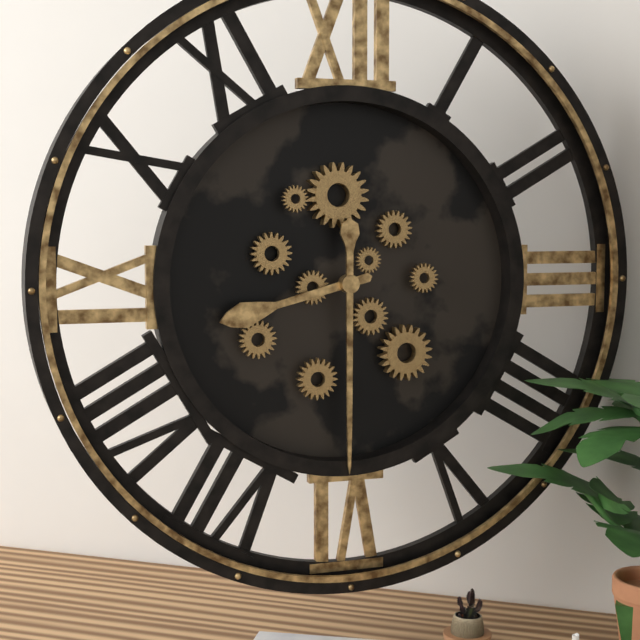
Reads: 8h30
